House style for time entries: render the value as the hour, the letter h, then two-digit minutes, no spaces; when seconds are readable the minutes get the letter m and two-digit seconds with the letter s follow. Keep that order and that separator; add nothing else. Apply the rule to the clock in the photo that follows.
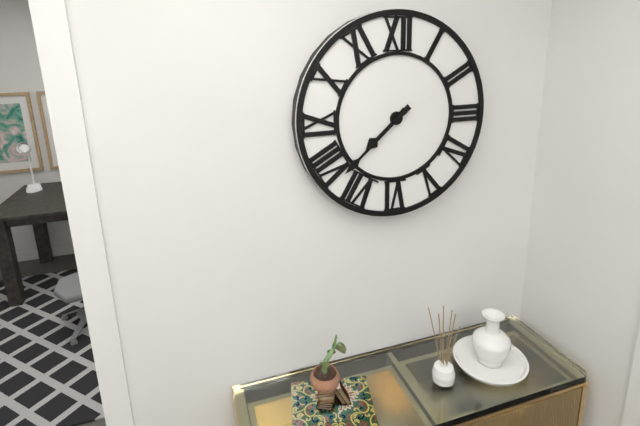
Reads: 7h38
